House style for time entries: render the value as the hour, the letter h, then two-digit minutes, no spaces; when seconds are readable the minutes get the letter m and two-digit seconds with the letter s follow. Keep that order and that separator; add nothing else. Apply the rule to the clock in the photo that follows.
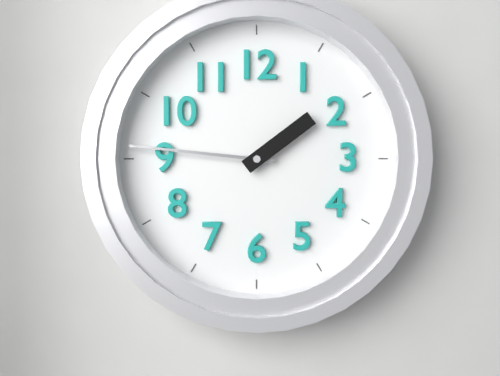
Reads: 1h46
